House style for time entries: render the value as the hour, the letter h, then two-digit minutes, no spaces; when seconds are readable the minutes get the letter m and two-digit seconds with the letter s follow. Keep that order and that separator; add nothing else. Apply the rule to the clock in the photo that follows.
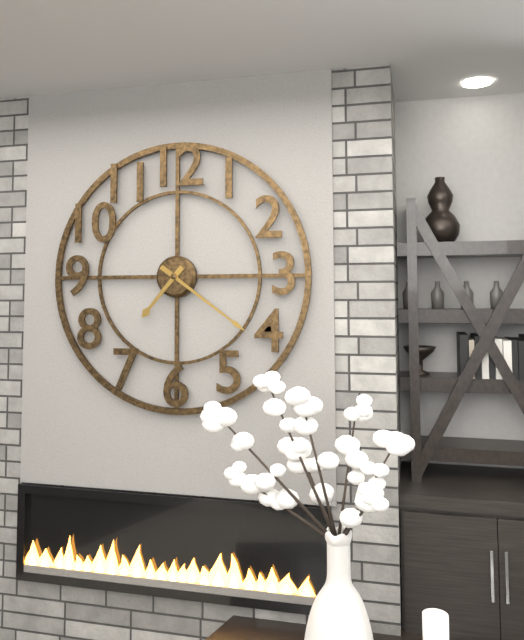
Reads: 7h21
